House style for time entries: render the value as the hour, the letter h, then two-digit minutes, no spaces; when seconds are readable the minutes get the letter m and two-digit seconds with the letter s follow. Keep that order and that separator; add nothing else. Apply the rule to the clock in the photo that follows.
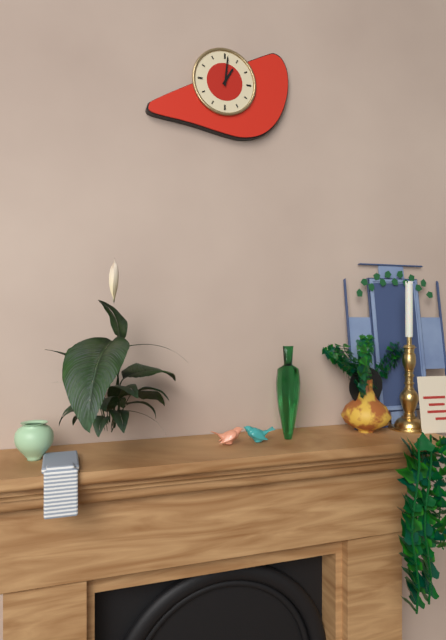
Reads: 1h01
